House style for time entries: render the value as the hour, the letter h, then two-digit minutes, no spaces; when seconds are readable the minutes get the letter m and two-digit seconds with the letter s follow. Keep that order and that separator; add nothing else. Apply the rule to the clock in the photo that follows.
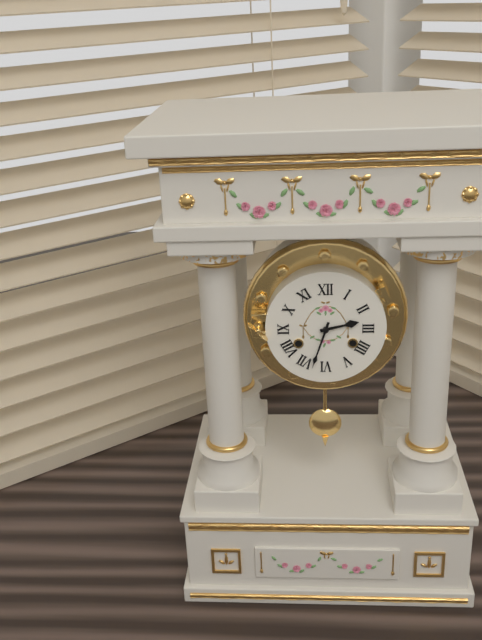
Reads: 2h33
